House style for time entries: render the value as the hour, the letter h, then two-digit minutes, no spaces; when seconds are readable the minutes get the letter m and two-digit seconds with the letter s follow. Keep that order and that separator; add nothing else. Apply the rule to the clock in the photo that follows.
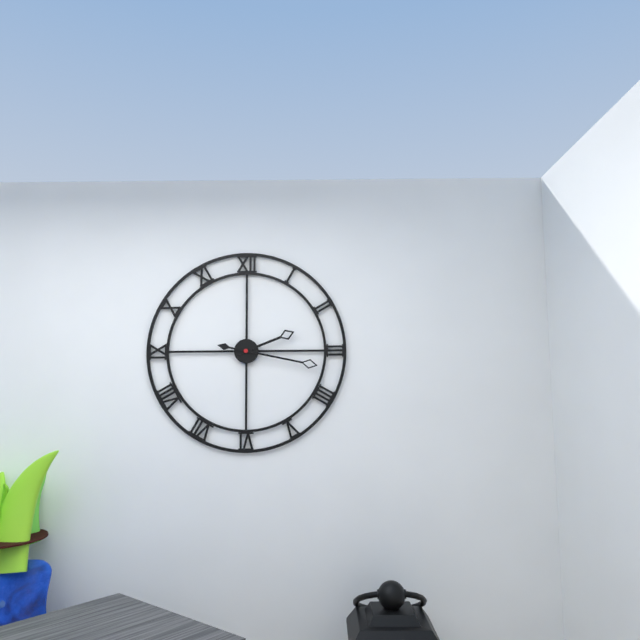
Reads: 2h17
